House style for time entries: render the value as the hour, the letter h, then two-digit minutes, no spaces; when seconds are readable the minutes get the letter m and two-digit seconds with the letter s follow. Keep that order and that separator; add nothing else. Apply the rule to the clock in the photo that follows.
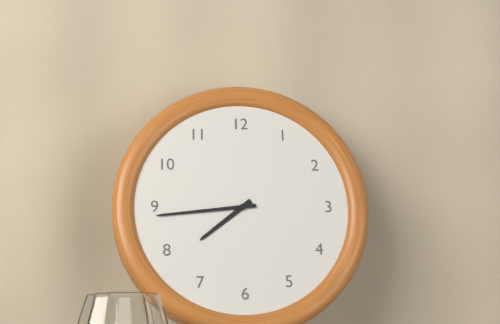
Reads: 7h44
